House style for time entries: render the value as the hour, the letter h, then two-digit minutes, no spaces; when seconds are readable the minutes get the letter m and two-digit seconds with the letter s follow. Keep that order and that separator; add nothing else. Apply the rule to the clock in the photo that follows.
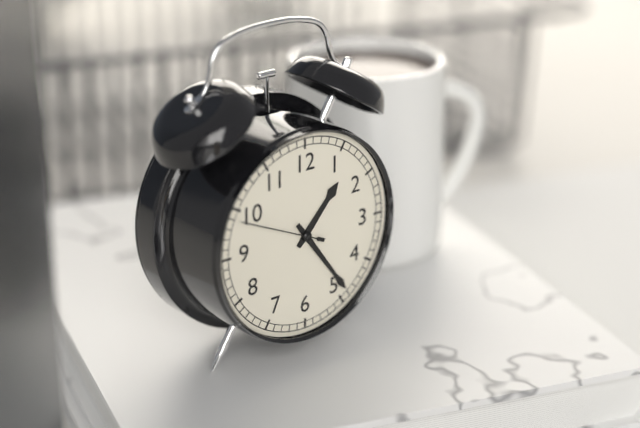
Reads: 1h24m49s
